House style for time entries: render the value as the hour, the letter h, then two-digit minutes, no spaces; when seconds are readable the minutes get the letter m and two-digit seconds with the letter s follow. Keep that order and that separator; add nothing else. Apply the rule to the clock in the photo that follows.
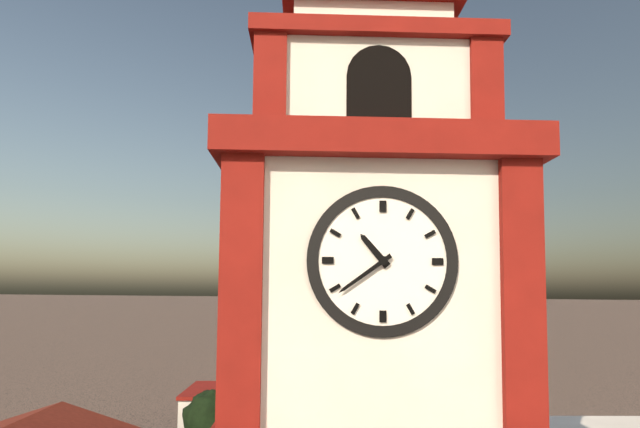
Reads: 10h39
